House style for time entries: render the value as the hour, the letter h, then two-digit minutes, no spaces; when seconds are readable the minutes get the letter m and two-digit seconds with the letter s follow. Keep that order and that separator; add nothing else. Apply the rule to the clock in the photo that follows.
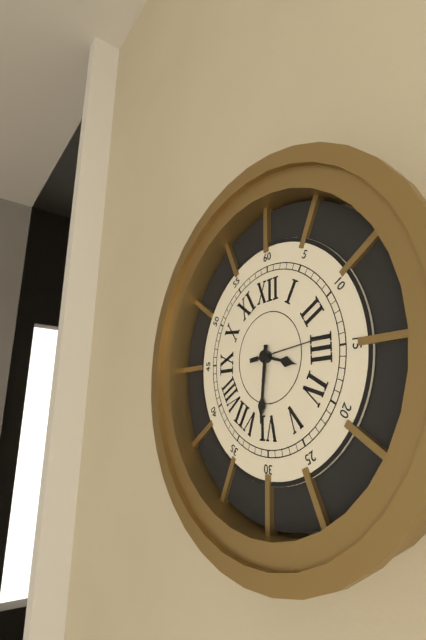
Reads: 3h31m14s
